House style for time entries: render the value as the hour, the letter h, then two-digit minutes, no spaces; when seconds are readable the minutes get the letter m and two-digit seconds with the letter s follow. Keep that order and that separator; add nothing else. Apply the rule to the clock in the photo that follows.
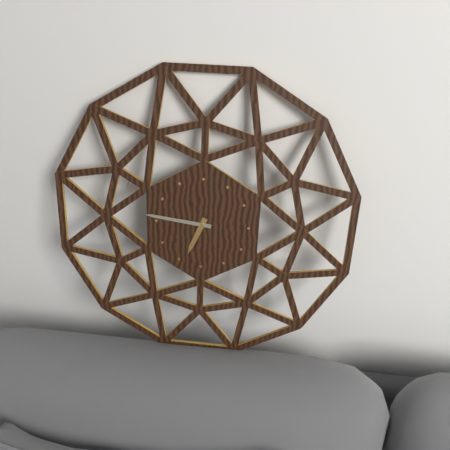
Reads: 6h46
